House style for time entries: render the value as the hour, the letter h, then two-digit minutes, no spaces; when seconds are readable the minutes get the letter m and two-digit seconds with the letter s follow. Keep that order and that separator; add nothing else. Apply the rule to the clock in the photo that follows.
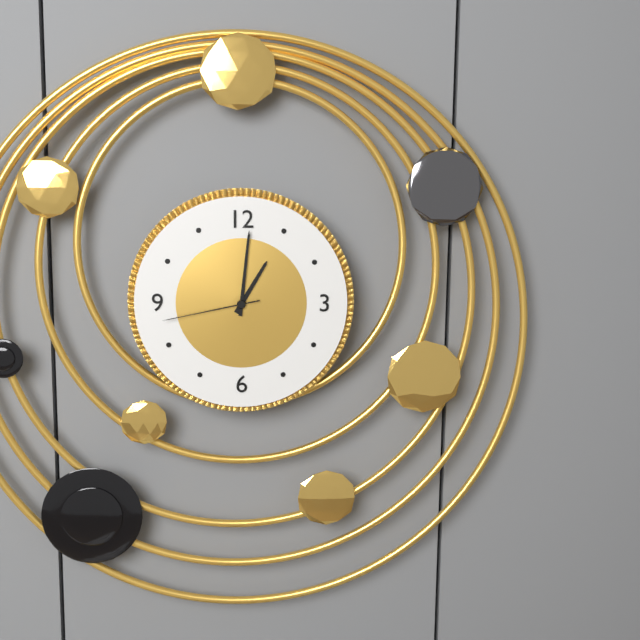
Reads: 1h01m43s
